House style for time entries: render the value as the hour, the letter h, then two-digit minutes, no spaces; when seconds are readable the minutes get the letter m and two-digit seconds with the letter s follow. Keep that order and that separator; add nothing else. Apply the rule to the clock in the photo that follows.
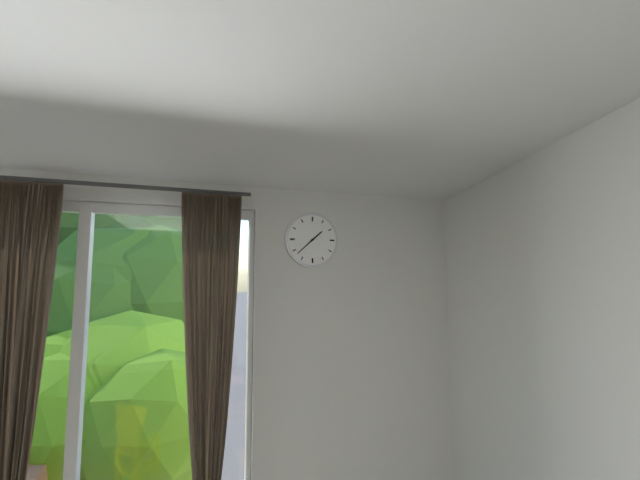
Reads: 1h38
